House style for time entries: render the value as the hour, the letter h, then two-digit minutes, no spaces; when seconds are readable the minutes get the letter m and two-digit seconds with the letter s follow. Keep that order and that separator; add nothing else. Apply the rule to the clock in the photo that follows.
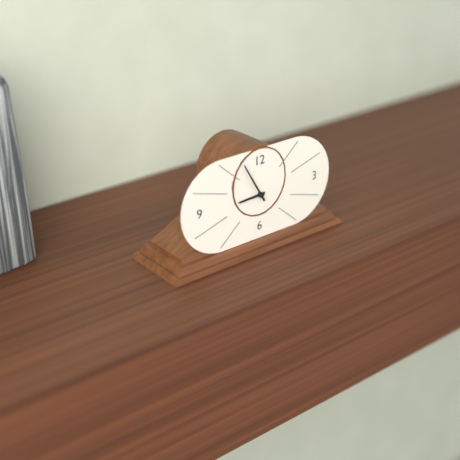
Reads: 8h55
